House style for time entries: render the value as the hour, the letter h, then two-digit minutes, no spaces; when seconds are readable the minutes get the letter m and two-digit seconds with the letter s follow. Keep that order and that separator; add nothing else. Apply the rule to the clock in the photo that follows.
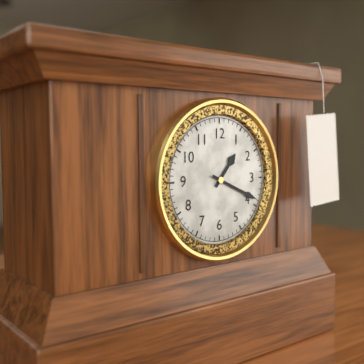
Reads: 1h19
